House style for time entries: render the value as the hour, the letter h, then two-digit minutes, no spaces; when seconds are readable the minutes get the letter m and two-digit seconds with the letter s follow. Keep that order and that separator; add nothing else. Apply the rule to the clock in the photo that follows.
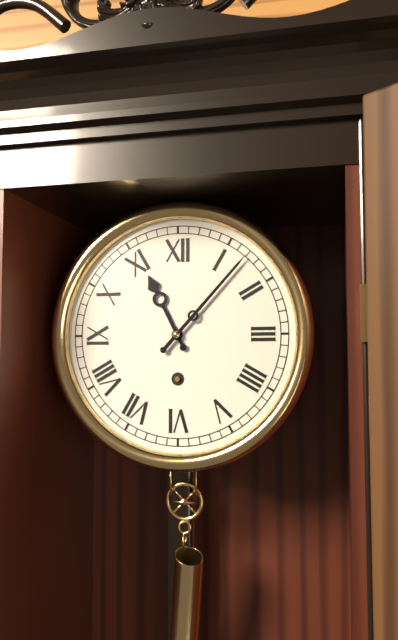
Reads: 11h07
